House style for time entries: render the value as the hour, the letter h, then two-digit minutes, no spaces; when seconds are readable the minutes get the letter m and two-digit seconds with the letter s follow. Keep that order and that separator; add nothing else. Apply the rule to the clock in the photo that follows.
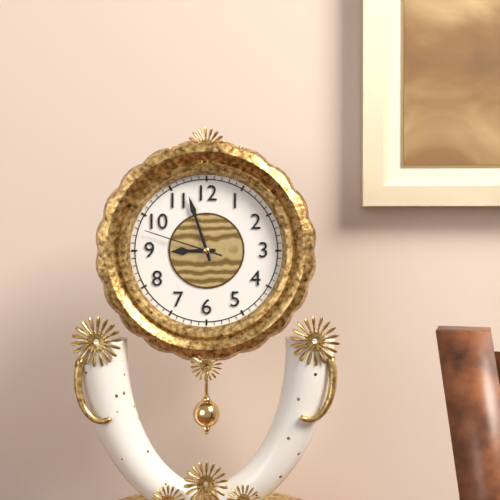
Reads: 8h57m48s
